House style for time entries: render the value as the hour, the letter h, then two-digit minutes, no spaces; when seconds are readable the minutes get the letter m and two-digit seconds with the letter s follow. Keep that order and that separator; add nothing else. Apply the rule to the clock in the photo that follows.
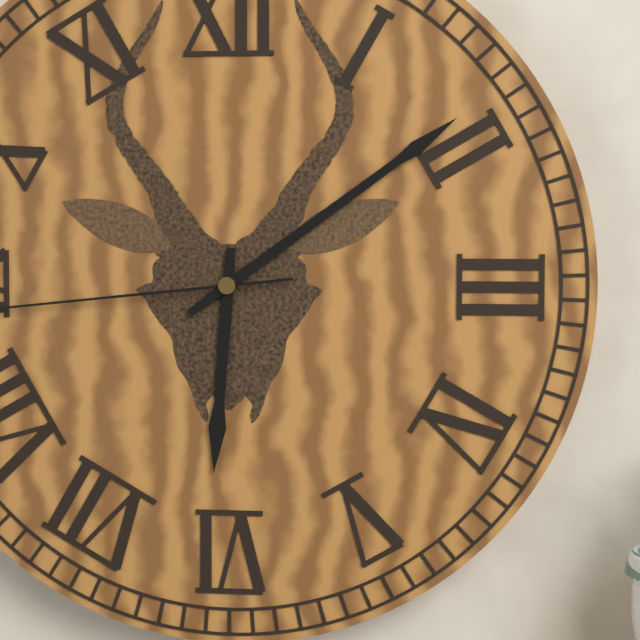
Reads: 6h09
